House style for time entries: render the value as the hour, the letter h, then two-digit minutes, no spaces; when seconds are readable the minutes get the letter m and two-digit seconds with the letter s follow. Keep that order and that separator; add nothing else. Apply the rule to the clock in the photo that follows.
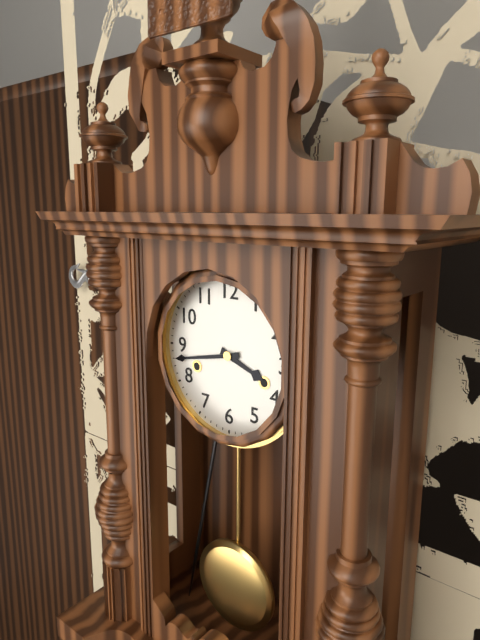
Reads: 3h43
